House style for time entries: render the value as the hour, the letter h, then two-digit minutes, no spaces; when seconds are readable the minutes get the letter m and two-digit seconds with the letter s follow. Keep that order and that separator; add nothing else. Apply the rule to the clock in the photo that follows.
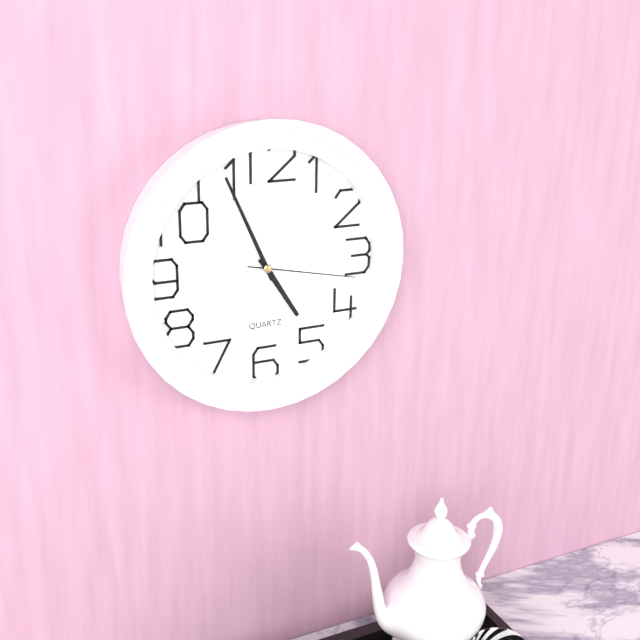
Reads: 4h56m17s
